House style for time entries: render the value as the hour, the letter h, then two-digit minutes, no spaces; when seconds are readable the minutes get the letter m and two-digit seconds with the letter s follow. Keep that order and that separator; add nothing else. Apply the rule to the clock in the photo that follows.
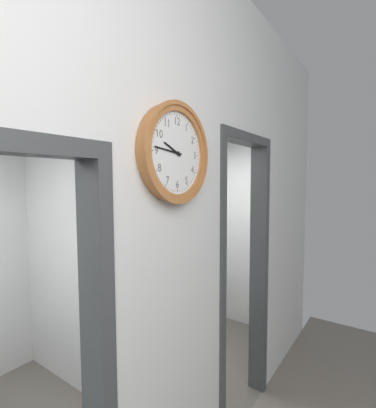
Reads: 9h46
